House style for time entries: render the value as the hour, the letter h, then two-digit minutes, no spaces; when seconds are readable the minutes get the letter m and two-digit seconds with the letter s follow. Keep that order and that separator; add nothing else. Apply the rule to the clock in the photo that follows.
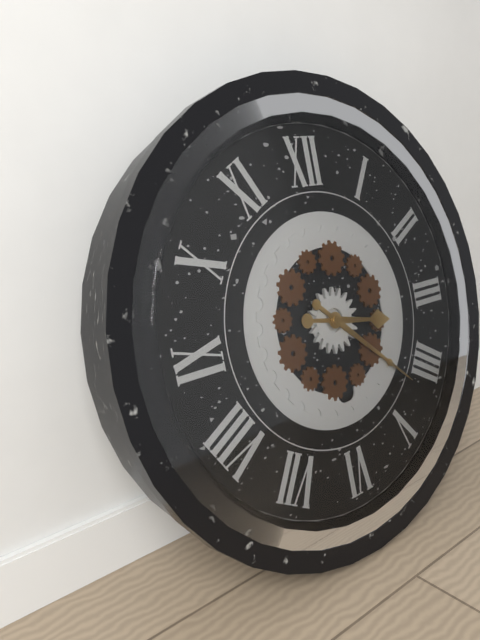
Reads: 3h22
